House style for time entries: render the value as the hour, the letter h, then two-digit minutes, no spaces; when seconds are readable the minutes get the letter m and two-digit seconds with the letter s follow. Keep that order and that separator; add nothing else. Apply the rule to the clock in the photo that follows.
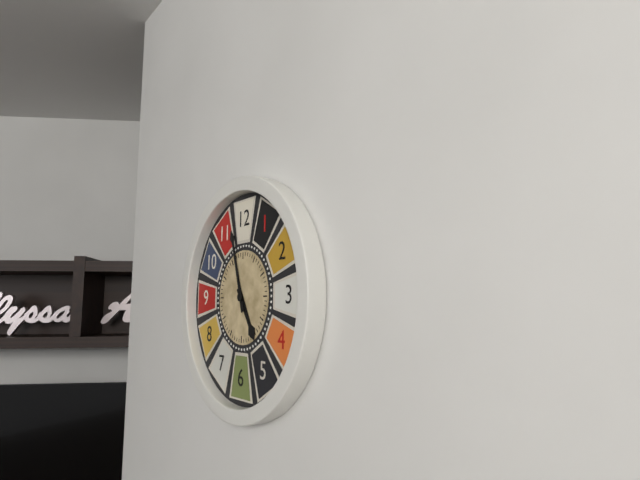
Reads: 4h57
